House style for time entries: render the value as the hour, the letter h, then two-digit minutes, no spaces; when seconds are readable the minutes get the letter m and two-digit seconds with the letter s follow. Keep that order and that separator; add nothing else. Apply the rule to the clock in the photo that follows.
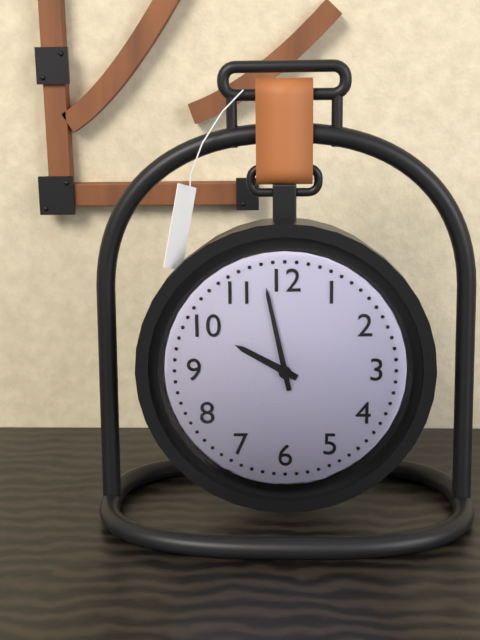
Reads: 9h58
